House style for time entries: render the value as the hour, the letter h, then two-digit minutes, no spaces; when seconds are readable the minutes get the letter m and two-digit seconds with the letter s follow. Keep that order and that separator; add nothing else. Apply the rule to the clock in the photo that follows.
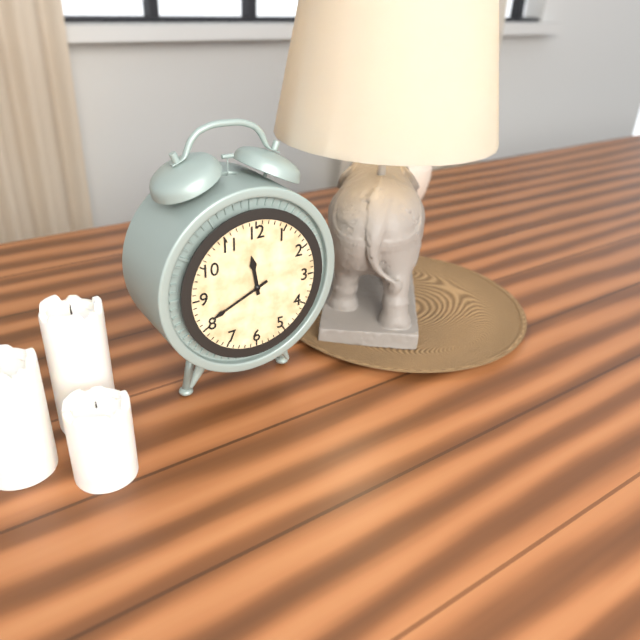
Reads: 11h41
